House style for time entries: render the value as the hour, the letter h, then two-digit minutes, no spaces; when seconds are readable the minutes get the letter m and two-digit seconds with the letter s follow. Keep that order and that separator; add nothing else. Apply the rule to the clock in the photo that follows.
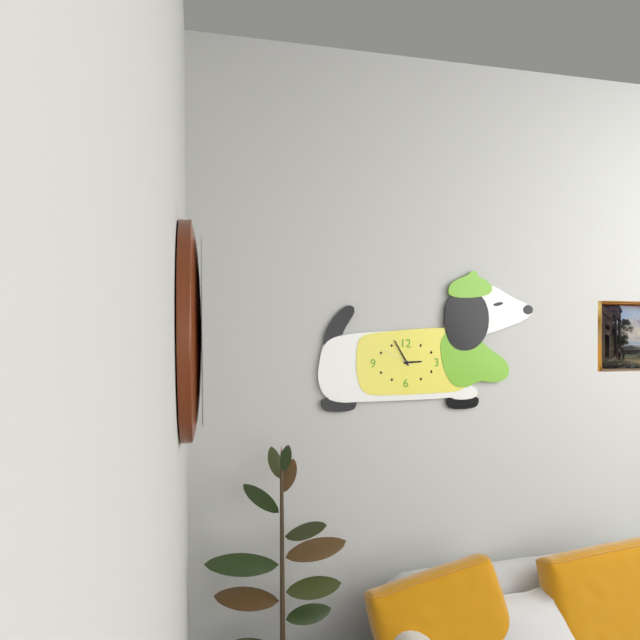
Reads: 2h55
